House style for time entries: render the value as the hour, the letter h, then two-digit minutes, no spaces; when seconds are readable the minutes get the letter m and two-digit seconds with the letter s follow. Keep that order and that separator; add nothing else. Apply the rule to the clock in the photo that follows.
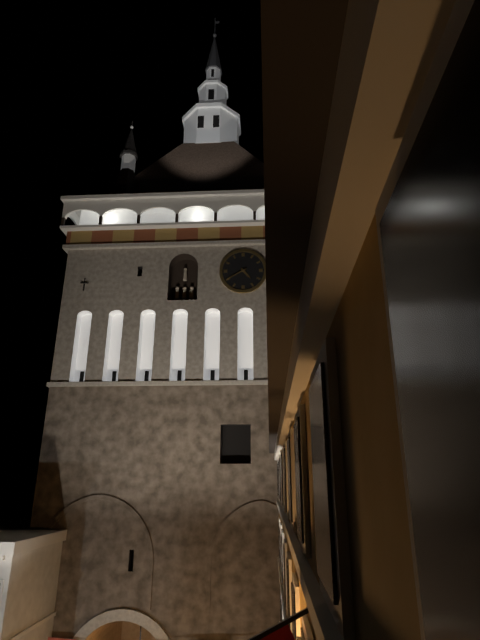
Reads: 4h40
